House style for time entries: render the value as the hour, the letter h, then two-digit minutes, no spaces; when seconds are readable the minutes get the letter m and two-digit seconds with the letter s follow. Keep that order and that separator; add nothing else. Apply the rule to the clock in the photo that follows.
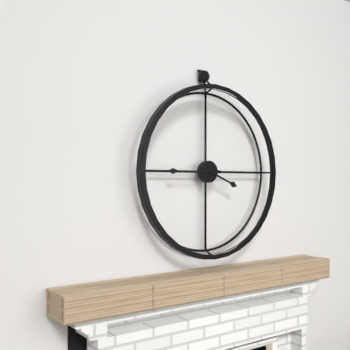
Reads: 3h45
